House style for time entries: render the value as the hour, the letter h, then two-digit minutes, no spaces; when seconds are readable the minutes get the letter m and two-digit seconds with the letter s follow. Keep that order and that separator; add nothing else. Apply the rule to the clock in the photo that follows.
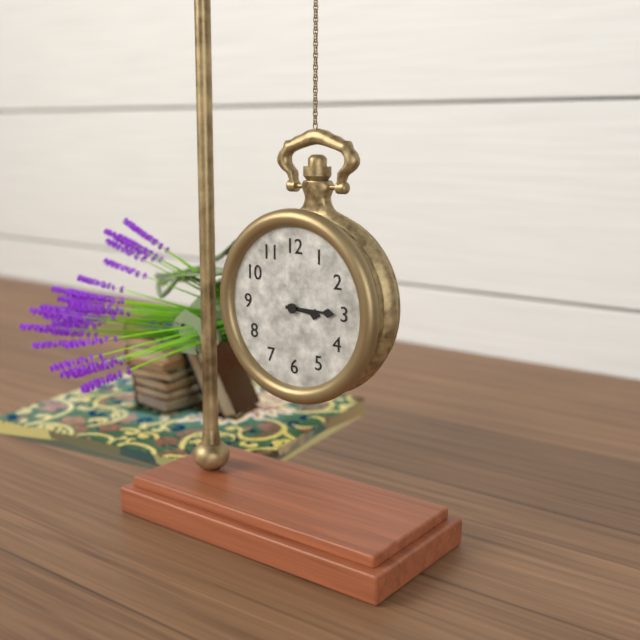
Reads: 3h15
